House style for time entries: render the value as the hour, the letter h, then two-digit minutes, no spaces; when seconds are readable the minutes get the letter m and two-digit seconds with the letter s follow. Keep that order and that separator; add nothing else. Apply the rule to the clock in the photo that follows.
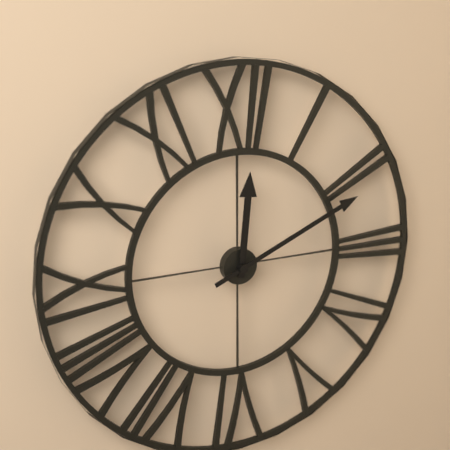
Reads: 12h11
